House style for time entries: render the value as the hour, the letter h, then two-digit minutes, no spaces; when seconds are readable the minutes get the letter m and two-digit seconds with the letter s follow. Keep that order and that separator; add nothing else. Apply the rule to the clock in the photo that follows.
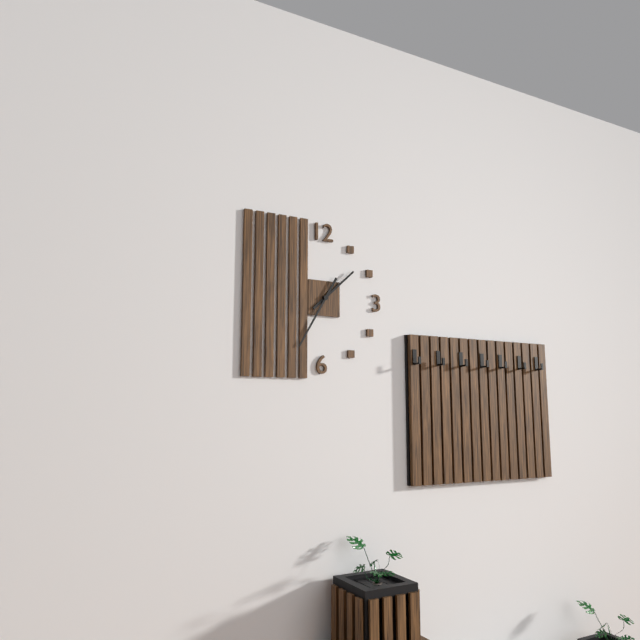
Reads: 1h35
